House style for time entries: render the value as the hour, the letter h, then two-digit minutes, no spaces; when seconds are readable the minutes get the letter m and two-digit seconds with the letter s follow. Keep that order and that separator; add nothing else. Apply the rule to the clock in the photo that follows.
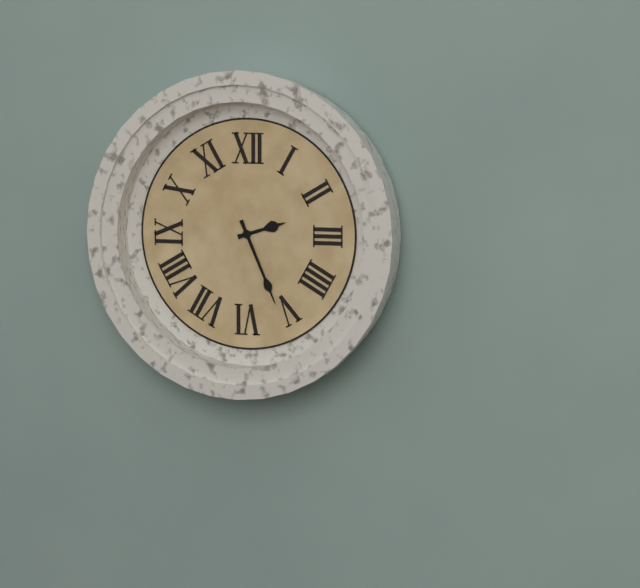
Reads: 2h26
